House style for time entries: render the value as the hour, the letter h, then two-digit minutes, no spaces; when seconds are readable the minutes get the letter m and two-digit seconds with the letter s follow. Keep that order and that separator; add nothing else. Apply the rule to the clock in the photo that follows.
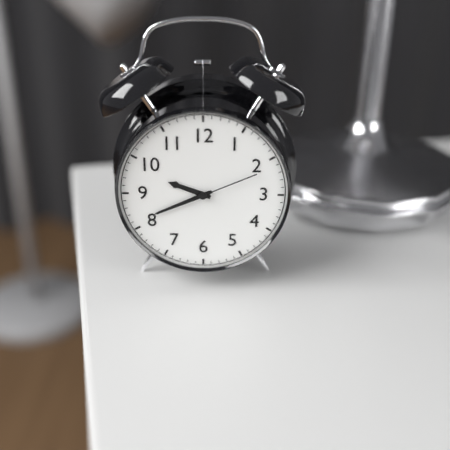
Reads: 9h41m11s
